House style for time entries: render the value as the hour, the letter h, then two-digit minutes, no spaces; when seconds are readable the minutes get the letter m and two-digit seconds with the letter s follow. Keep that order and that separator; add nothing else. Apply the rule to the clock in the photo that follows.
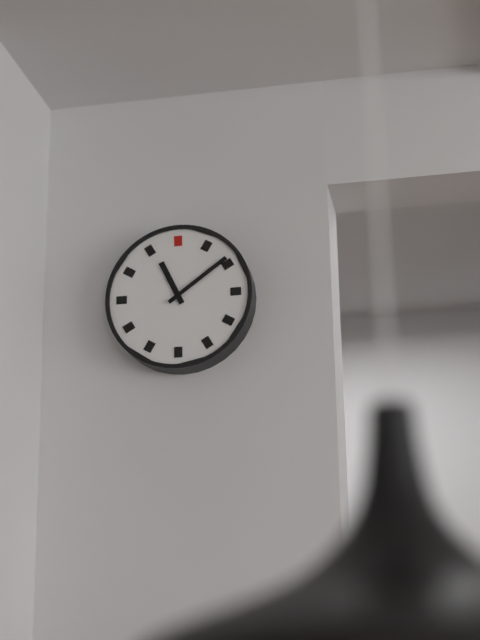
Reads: 11h09
